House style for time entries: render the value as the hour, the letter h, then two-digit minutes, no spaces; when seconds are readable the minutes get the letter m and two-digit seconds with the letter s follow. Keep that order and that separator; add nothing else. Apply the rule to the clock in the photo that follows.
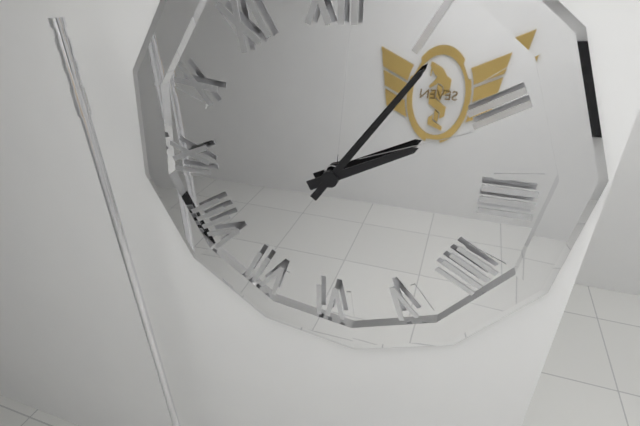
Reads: 2h06
